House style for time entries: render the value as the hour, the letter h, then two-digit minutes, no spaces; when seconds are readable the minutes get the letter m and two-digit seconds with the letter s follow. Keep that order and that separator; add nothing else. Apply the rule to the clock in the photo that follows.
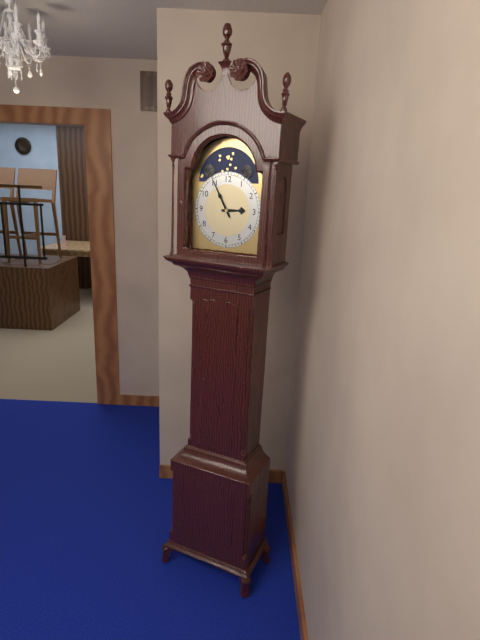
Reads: 2h55
